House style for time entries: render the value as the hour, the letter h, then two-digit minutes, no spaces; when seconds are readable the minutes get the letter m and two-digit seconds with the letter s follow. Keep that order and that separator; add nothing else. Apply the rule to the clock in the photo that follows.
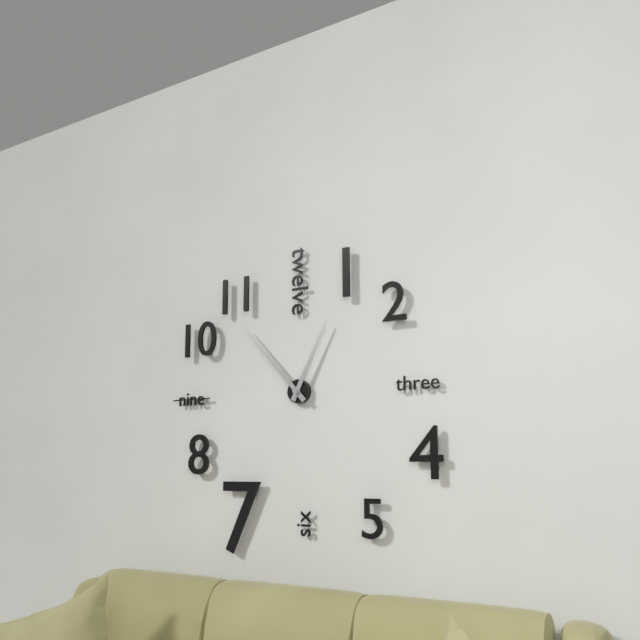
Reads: 12h53
